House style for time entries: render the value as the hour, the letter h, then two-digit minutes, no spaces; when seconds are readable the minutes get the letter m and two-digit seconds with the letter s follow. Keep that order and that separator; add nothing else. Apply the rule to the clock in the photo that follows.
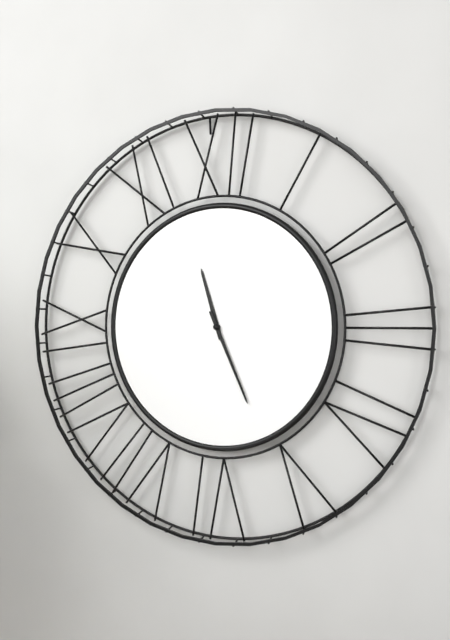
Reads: 11h26
